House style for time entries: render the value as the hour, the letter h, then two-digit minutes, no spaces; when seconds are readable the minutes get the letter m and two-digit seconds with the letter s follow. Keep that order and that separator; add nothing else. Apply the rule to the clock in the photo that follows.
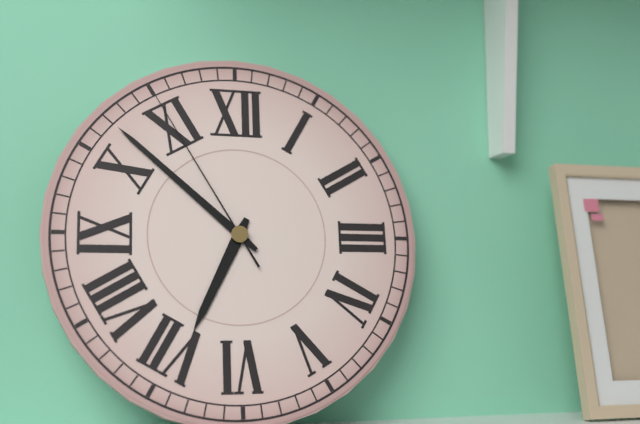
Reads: 6h52m55s
